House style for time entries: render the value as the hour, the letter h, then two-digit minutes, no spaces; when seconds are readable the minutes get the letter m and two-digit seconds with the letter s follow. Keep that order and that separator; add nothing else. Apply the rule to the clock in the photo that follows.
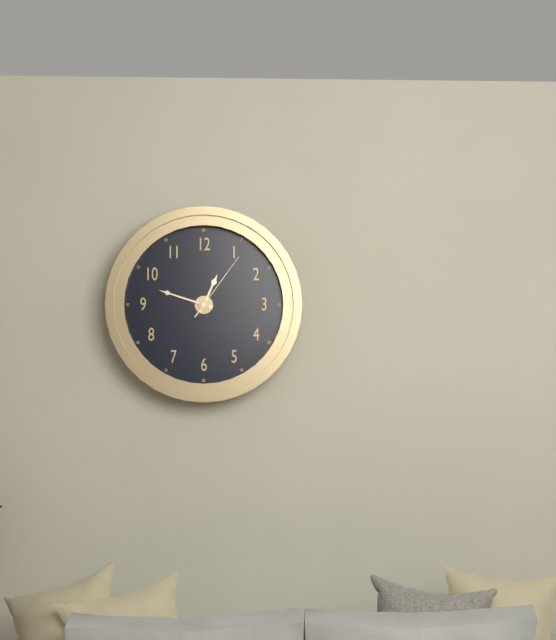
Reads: 12h48m06s
